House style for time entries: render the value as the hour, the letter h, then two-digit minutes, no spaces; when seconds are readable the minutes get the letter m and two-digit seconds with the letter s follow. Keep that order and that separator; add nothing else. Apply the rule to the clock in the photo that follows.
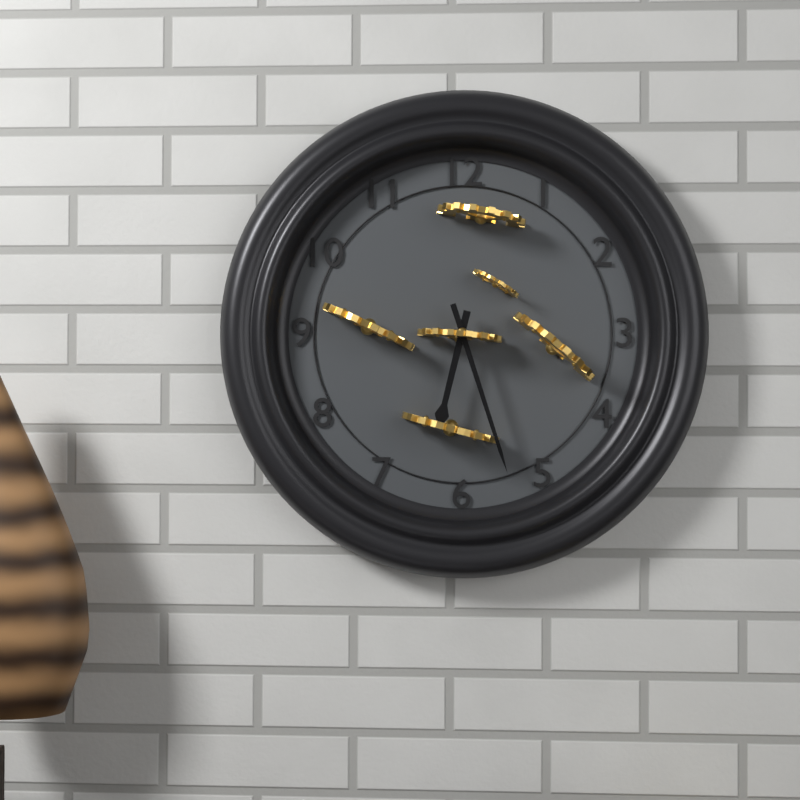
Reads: 6h27
